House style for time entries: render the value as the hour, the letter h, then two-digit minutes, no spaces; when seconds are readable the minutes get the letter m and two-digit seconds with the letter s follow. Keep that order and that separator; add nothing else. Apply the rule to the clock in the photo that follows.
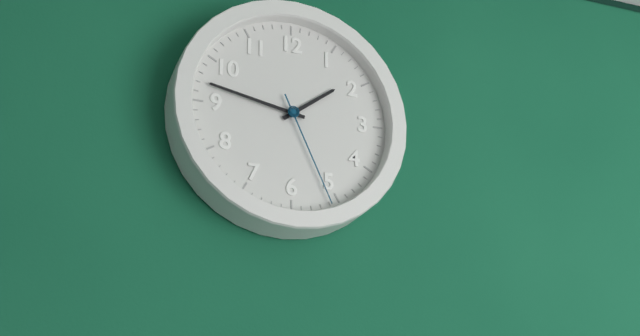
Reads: 1h47m26s
